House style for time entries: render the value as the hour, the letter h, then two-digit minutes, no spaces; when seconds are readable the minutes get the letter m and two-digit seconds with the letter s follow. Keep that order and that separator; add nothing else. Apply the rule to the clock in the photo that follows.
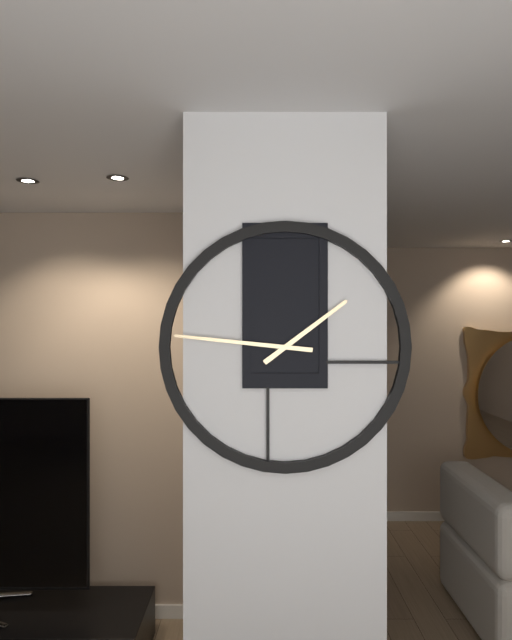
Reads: 1h46
